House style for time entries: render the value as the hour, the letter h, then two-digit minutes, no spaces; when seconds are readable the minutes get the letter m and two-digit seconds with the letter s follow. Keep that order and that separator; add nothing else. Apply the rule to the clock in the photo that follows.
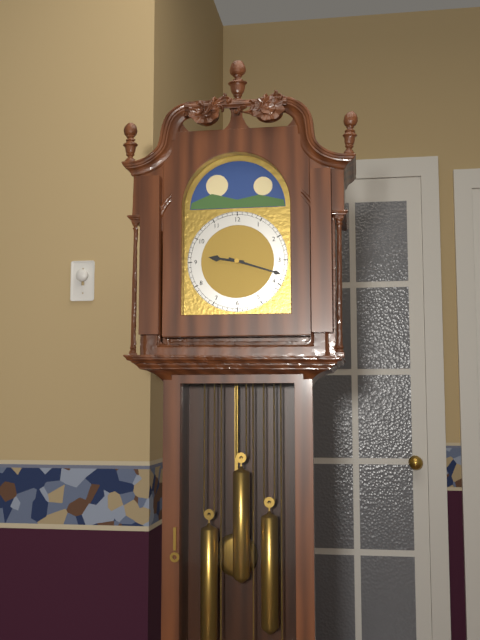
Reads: 9h18
